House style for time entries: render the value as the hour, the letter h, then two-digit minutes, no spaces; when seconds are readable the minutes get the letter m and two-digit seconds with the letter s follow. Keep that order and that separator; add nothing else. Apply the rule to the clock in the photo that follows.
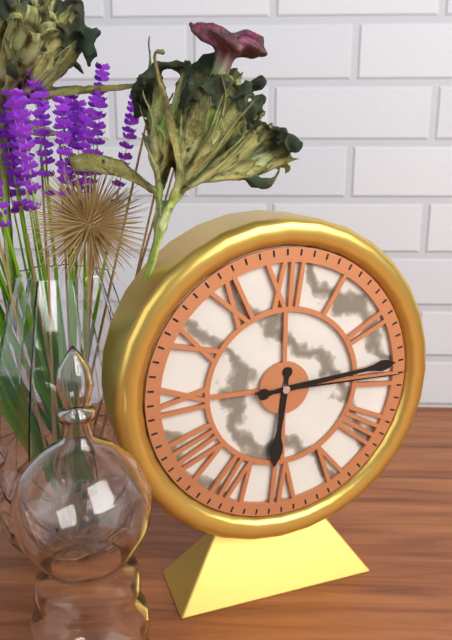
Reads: 6h14m15s
